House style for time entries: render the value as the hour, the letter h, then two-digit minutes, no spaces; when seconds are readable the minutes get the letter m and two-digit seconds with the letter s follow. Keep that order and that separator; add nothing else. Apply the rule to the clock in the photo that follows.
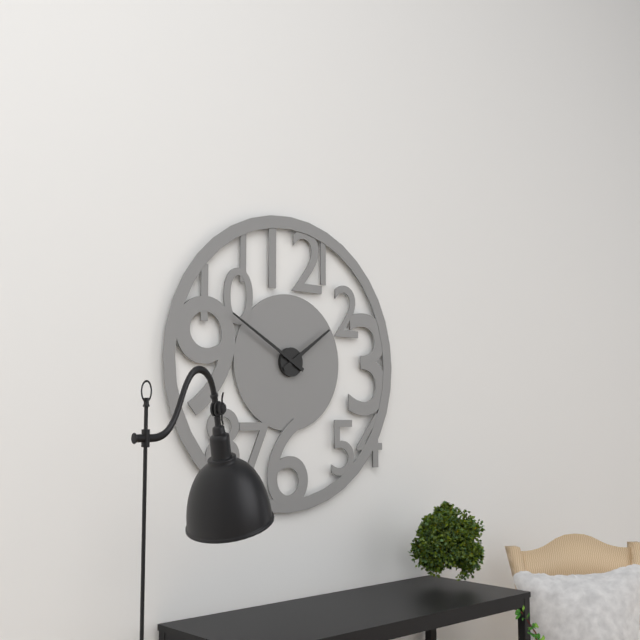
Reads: 1h50
